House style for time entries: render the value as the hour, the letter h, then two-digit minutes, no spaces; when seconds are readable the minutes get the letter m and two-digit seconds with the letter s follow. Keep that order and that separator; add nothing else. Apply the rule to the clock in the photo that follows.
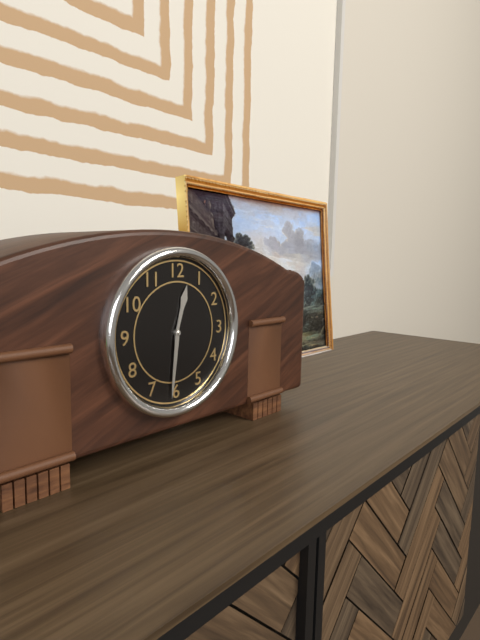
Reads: 12h31
